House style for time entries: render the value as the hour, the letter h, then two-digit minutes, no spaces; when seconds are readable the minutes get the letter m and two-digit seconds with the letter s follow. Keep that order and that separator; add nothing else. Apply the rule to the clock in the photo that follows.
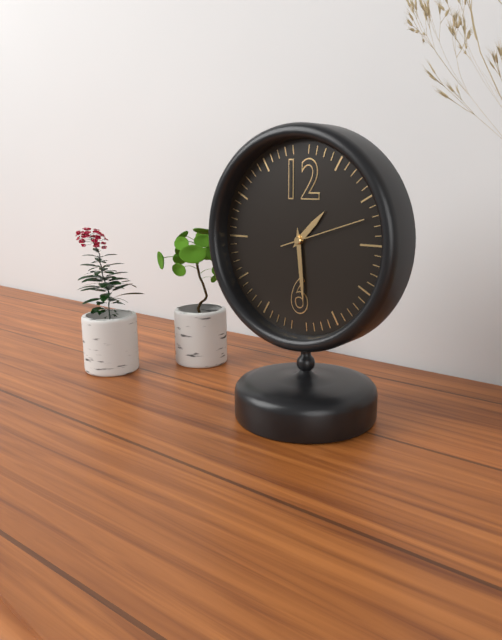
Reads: 1h29m12s
